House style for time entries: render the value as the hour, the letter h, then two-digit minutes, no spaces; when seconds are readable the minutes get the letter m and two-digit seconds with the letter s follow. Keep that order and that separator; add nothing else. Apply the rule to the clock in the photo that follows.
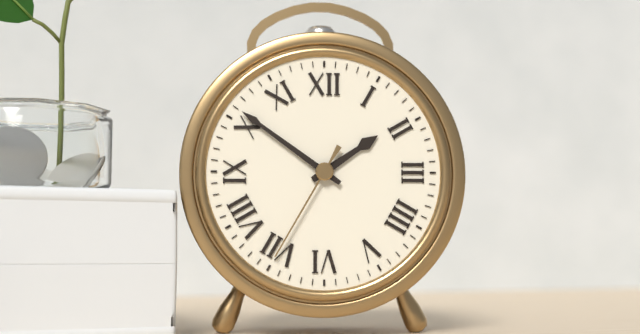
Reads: 1h51m35s
